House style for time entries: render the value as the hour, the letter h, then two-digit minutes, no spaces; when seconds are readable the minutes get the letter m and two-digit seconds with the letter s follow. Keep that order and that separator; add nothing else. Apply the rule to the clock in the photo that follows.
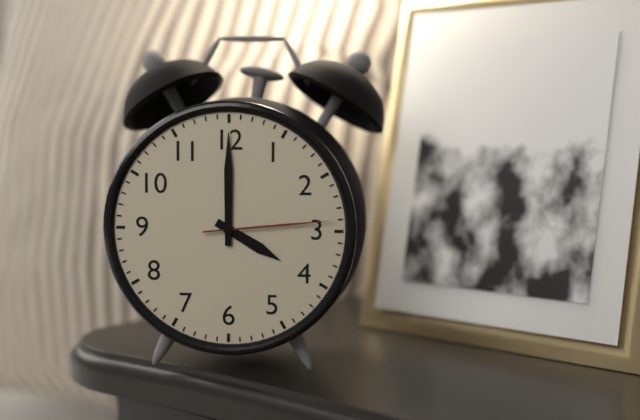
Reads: 4h00m14s
